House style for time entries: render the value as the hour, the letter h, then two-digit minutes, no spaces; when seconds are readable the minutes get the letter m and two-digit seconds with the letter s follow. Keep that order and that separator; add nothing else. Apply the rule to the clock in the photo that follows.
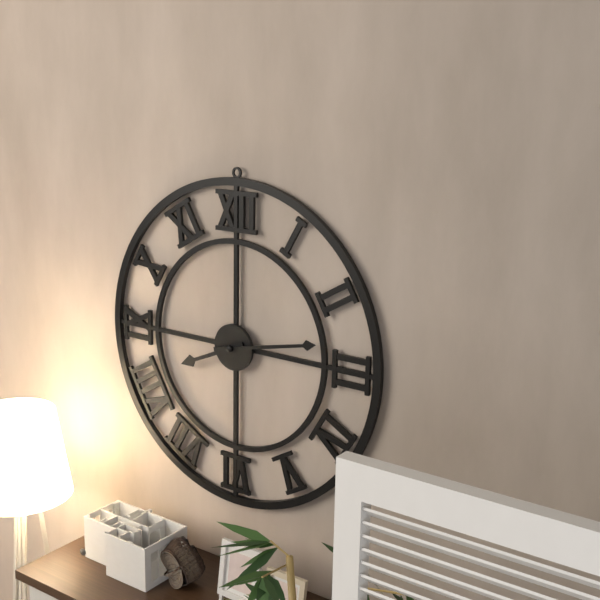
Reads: 8h13
